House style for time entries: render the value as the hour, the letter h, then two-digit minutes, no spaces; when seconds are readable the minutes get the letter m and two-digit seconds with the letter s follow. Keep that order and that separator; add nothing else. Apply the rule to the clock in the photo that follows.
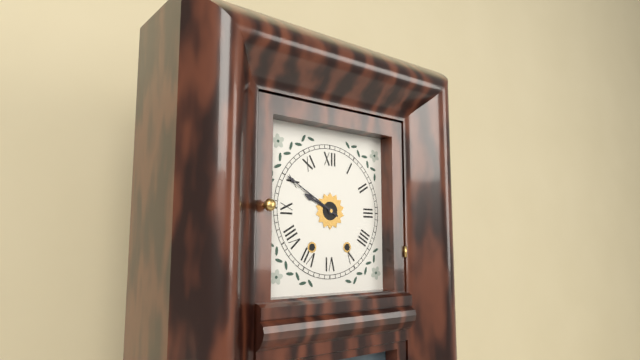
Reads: 9h50
